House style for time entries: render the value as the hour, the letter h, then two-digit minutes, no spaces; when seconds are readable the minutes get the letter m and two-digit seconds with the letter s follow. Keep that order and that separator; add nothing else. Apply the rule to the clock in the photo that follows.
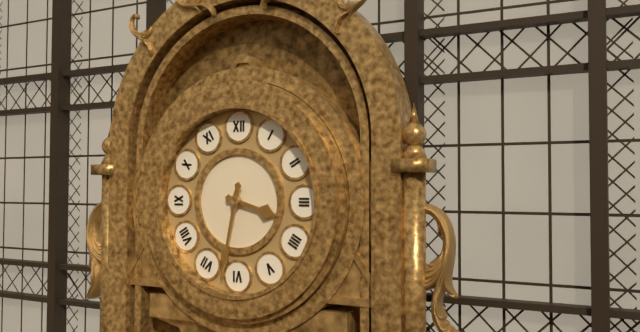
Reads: 3h32
